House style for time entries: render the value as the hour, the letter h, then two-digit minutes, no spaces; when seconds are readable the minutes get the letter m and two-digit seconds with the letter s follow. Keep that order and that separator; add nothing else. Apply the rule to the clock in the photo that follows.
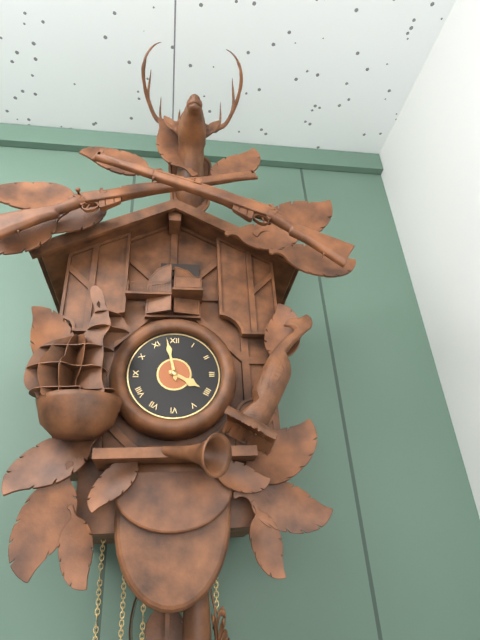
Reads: 3h58
